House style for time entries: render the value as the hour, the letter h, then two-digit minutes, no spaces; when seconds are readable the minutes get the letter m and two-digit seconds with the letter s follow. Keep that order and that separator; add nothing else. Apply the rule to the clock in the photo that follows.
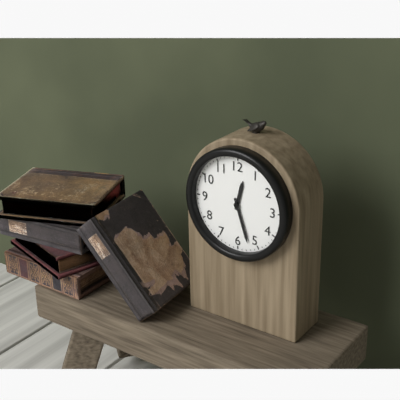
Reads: 12h27
